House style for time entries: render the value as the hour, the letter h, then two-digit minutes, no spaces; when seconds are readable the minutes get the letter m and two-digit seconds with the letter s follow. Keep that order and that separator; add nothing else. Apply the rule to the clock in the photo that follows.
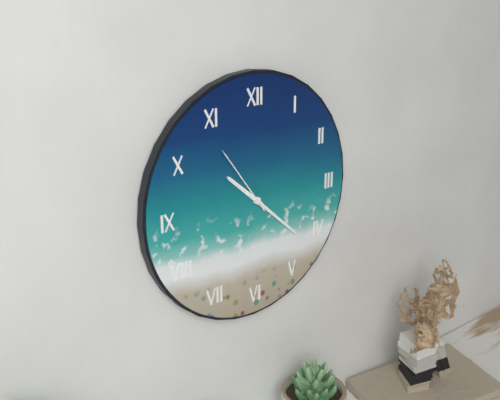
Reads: 10h22m54s
